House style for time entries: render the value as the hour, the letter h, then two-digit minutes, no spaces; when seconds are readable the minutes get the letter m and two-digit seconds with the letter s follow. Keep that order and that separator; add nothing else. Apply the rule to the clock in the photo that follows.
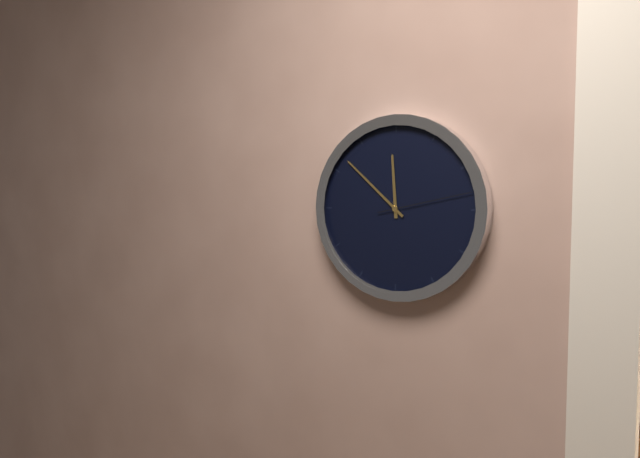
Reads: 11h52m13s
